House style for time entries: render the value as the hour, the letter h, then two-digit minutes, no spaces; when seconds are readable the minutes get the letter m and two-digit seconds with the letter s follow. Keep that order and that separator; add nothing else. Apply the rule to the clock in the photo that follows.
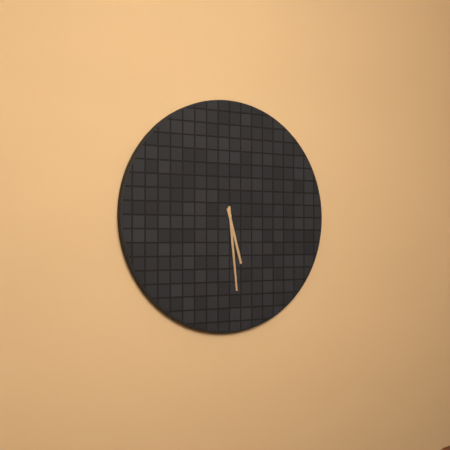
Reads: 5h29
